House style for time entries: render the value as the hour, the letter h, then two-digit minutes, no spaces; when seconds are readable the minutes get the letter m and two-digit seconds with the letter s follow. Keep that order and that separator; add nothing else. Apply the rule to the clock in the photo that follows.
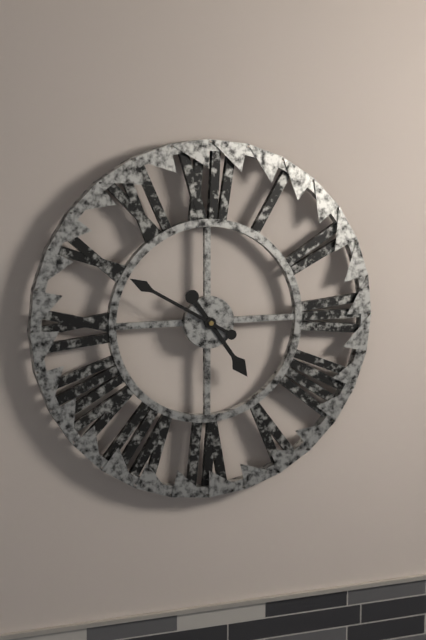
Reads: 4h50
